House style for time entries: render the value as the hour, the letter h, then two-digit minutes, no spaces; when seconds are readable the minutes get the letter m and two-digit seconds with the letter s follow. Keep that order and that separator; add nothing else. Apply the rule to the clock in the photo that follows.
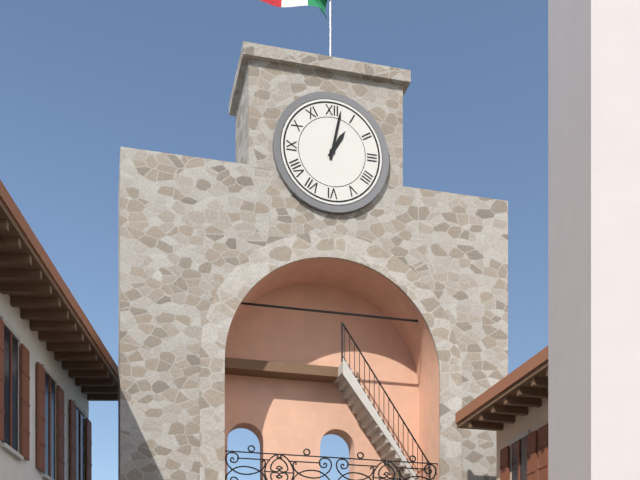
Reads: 1h02
